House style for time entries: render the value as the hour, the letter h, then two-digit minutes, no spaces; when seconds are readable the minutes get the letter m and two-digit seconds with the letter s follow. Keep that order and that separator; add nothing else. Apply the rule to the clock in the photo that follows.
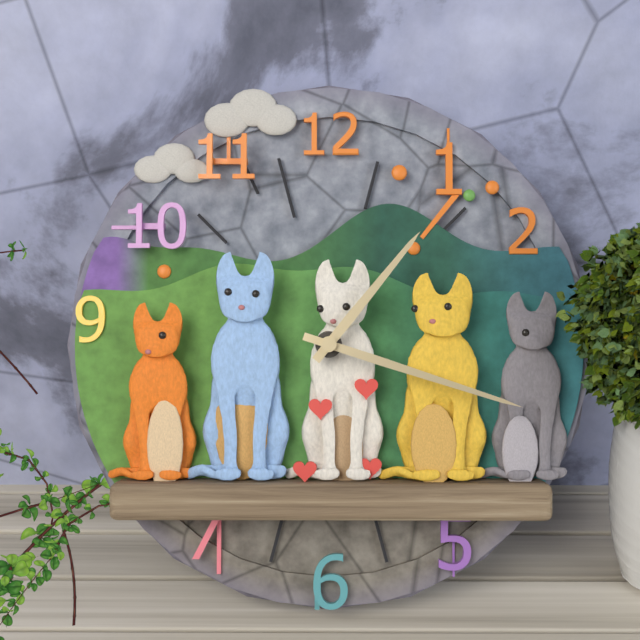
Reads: 1h18
